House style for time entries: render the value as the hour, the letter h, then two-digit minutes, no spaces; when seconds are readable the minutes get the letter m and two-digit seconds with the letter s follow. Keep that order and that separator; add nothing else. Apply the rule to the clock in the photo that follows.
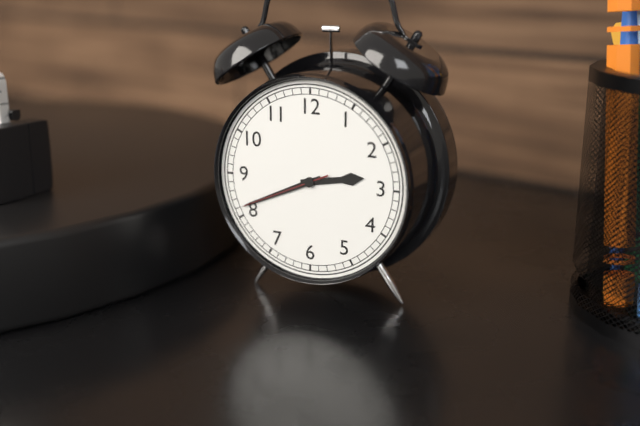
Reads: 2h41m41s
